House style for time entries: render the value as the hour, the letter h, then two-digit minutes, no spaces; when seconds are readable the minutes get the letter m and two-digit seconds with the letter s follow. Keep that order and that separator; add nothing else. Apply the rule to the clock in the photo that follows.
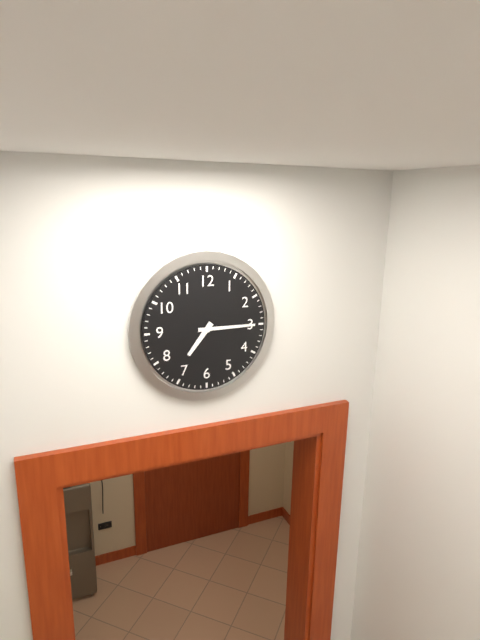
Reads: 7h15
